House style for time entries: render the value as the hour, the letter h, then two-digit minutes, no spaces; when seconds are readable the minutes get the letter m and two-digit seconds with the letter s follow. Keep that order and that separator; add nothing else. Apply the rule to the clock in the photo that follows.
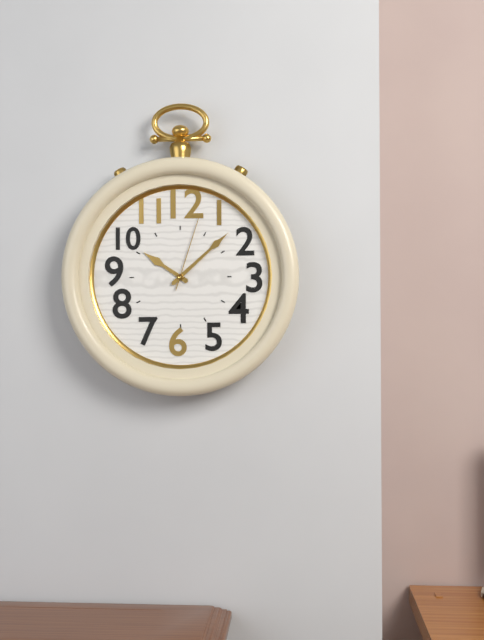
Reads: 10h08m03s
